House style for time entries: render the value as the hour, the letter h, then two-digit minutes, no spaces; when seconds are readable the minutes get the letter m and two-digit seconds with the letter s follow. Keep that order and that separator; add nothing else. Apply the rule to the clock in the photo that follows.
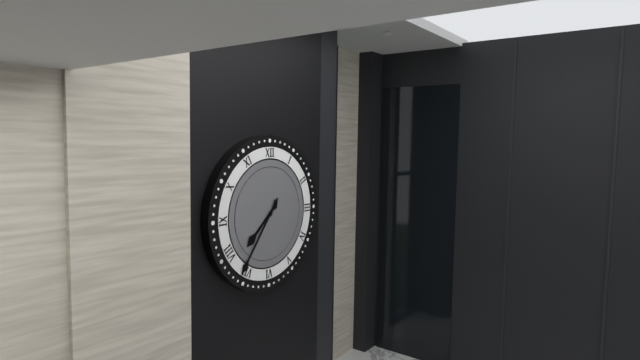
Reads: 7h36
